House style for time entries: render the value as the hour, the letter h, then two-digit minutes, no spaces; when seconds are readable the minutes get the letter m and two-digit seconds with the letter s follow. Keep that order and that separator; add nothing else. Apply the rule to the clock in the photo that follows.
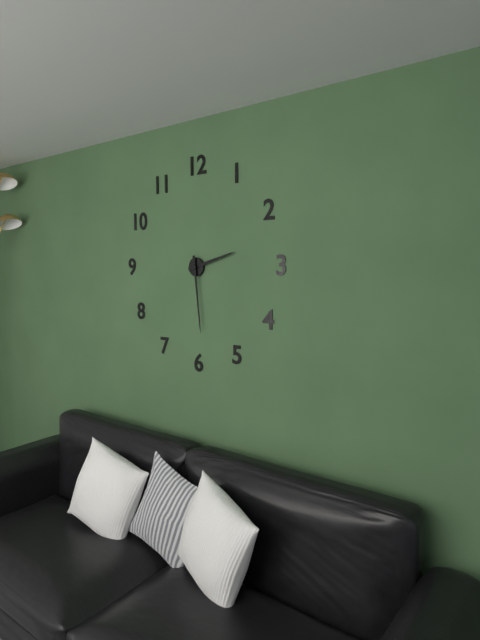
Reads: 2h29
